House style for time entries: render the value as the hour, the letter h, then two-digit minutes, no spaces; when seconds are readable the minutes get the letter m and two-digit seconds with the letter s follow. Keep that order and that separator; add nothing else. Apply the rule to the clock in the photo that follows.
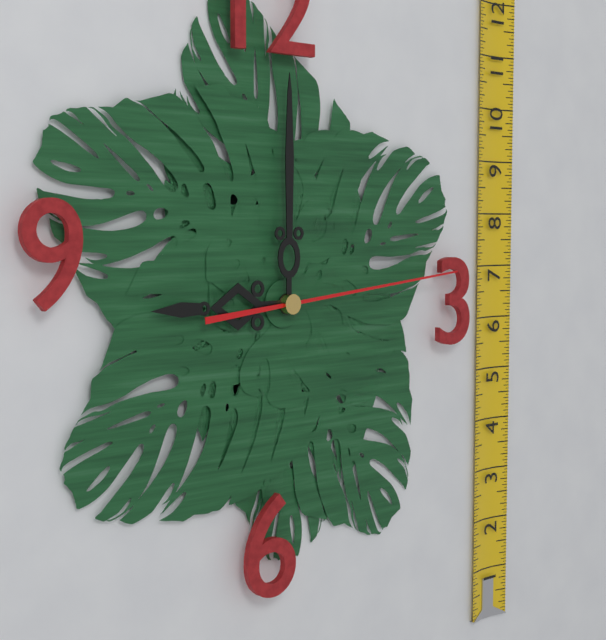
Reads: 9h00m14s
